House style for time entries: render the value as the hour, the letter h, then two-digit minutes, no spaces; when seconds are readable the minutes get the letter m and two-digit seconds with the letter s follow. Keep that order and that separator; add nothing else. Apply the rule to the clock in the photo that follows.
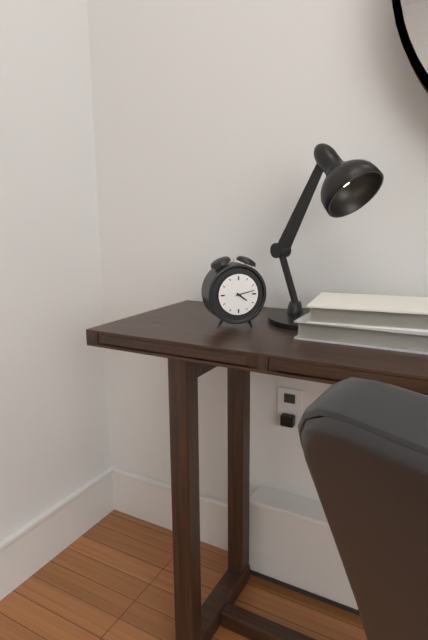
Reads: 4h13
